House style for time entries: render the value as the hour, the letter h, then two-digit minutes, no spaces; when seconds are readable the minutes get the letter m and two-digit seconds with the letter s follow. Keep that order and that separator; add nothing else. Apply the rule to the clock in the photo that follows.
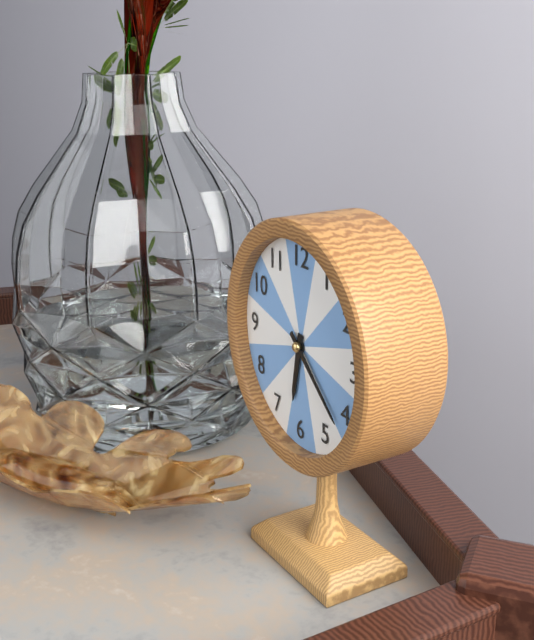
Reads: 6h22
